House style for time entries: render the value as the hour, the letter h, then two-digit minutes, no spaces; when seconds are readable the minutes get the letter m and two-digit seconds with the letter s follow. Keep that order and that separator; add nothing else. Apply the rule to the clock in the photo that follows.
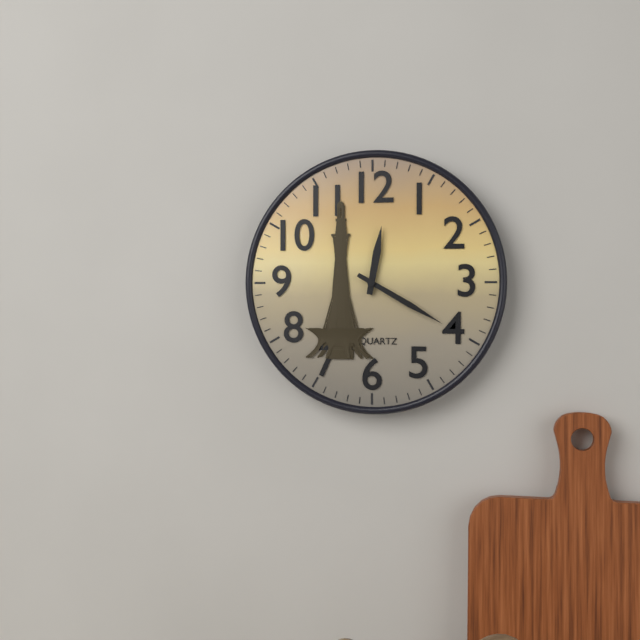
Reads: 12h20
